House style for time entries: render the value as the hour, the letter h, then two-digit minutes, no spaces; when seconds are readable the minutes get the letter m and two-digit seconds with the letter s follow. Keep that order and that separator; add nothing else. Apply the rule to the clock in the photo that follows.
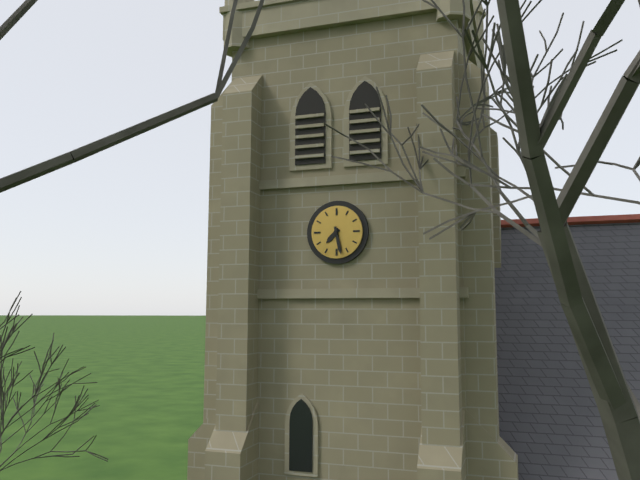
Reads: 7h28
